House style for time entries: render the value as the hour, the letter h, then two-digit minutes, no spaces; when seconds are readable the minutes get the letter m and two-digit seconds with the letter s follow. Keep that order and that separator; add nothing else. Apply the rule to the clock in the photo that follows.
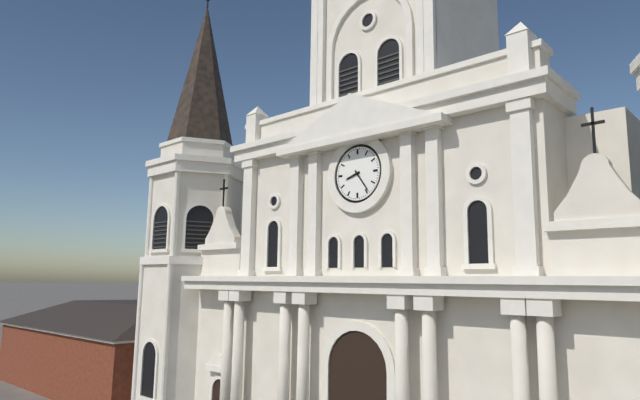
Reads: 8h24
